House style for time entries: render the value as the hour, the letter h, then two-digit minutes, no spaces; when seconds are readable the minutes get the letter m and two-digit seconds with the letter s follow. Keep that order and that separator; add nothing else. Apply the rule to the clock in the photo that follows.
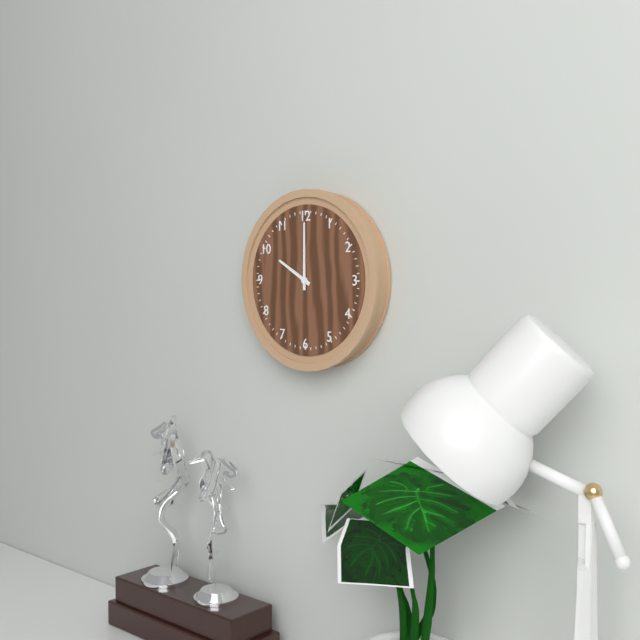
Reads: 10h00
